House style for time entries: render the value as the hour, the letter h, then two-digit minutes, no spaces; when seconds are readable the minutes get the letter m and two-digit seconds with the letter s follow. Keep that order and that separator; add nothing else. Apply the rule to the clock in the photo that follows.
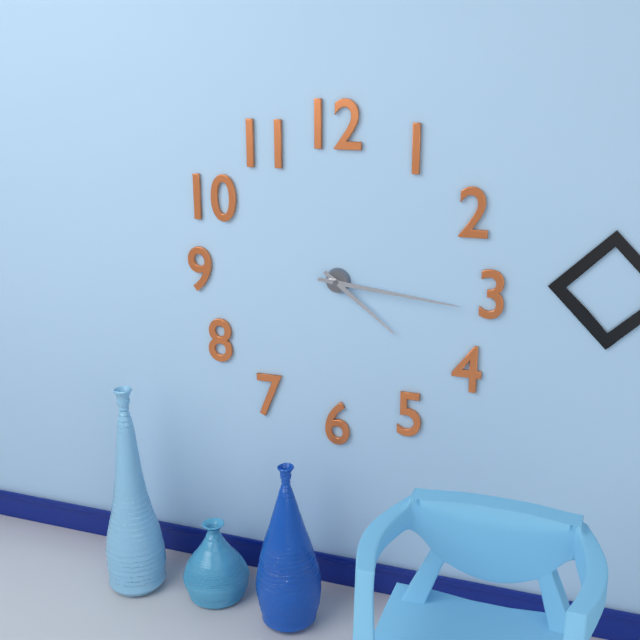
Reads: 4h16
